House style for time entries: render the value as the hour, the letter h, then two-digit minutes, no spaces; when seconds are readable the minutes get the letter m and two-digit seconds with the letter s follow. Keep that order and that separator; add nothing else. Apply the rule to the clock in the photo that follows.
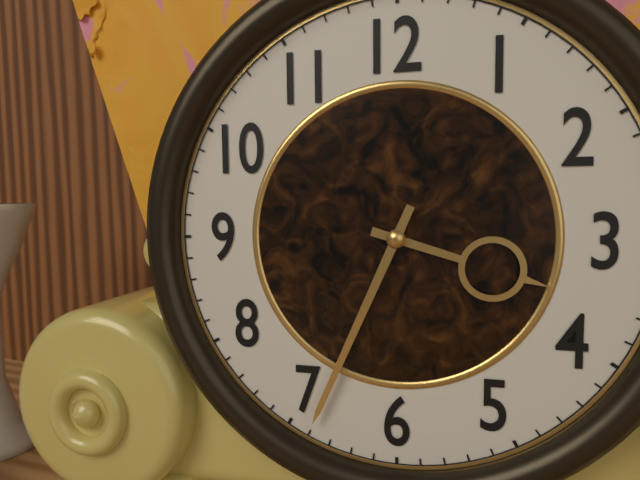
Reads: 3h34
